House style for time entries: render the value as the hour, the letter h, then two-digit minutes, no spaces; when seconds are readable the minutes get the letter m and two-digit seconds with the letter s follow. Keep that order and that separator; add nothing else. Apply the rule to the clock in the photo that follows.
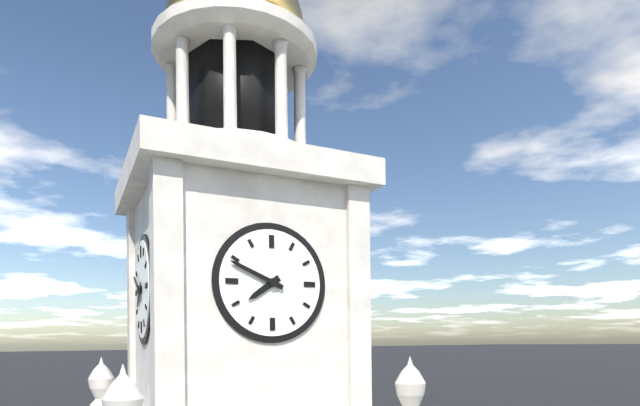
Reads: 7h49
